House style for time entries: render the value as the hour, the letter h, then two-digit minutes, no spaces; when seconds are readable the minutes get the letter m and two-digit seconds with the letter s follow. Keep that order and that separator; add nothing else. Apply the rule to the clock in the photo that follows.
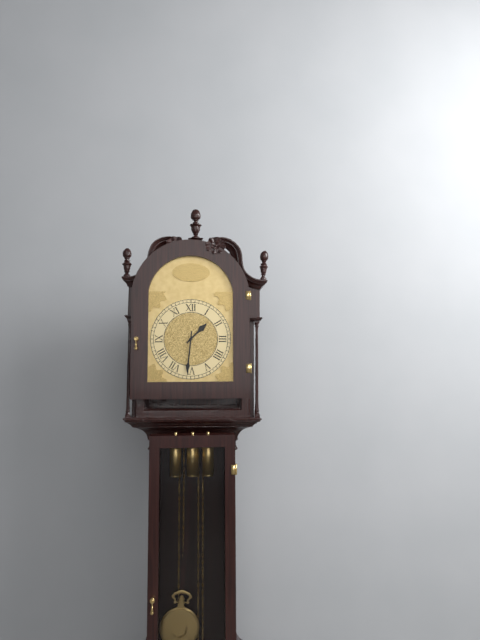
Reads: 1h31
